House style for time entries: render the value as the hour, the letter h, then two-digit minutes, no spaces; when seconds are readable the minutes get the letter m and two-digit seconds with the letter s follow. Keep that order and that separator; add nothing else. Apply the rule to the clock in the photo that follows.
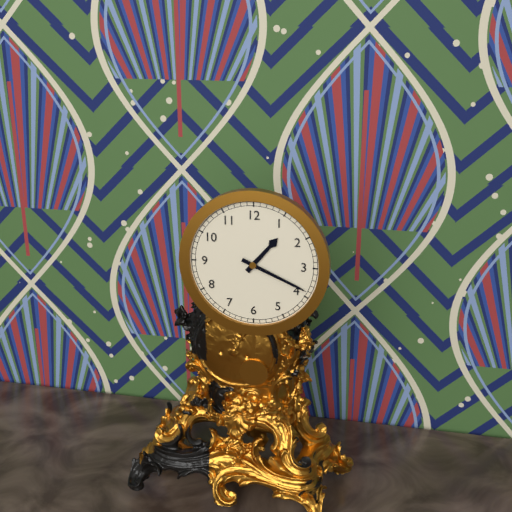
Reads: 1h19
